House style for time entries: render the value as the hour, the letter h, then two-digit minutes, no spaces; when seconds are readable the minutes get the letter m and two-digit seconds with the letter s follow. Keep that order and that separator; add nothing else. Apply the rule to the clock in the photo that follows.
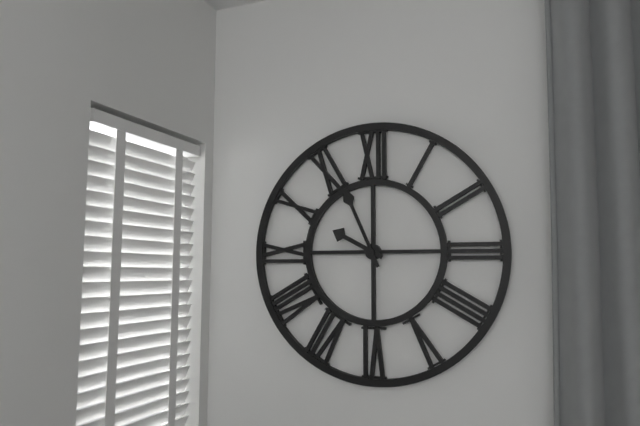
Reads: 9h56
